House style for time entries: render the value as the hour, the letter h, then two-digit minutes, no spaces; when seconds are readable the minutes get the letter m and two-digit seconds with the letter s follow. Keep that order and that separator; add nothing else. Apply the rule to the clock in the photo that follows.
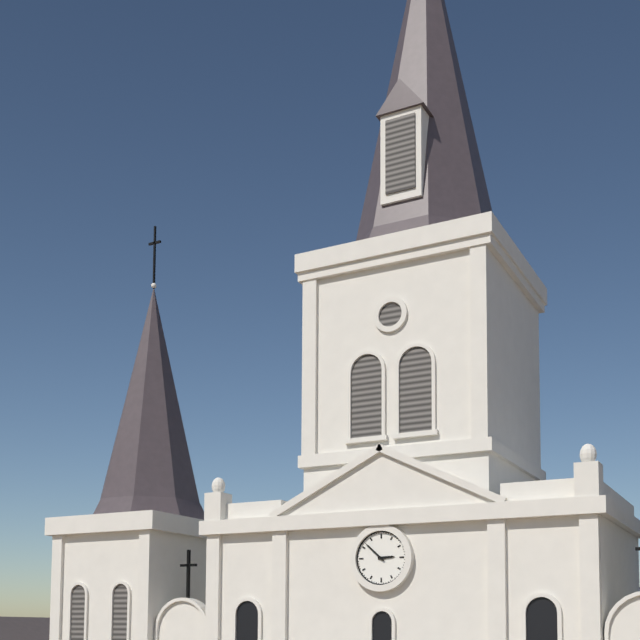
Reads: 2h52
